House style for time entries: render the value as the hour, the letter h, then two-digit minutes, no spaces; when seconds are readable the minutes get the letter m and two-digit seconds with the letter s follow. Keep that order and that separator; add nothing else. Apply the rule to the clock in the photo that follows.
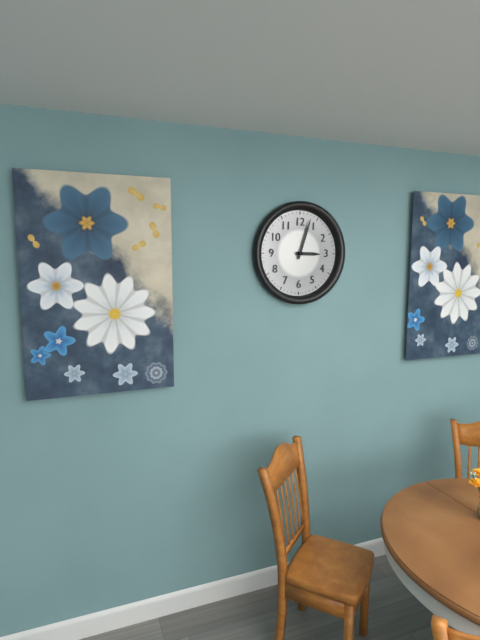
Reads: 3h03
